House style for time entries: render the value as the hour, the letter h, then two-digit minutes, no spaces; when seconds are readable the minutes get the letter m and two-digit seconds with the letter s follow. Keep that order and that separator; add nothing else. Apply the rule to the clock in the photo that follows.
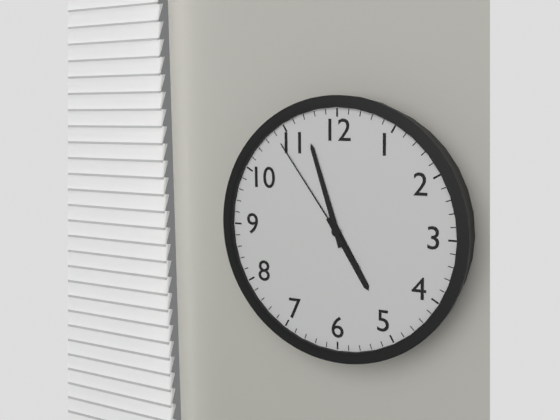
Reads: 4h57m54s
